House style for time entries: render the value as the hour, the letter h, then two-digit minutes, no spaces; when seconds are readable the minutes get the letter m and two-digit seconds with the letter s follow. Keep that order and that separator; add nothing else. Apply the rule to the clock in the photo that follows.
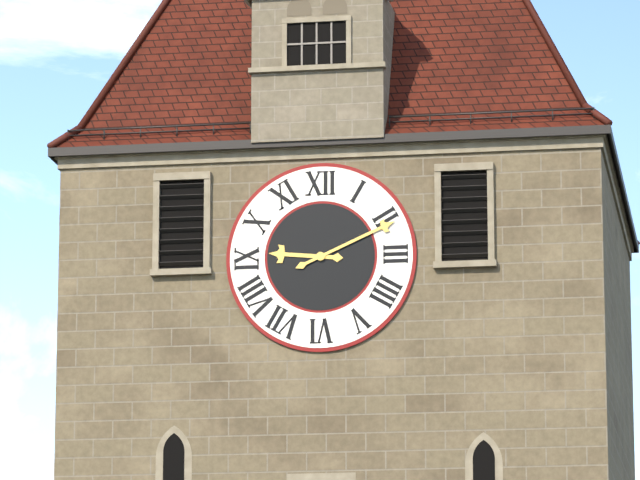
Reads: 9h11
